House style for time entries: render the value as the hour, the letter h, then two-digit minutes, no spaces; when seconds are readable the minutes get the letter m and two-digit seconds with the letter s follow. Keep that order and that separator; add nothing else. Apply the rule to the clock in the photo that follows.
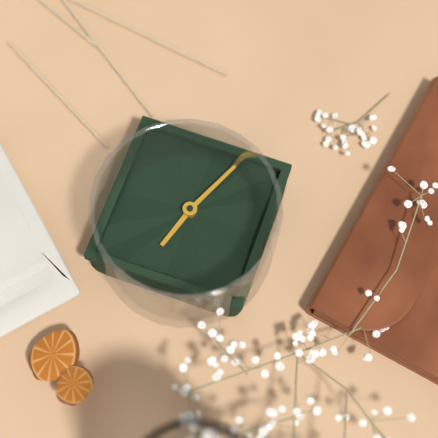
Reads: 12h34
